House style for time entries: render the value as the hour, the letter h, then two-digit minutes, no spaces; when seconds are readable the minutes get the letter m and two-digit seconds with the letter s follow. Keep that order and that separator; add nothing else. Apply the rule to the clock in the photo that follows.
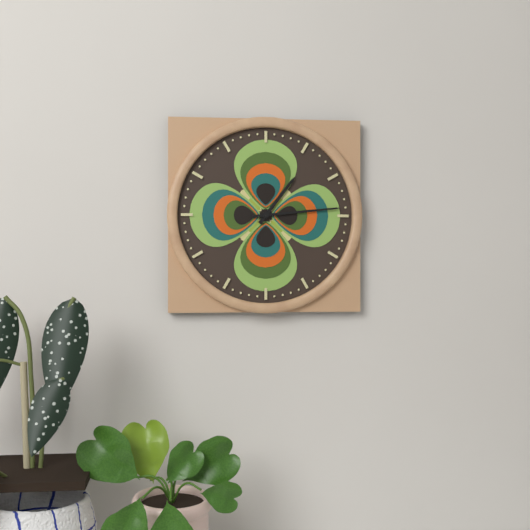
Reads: 1h14
